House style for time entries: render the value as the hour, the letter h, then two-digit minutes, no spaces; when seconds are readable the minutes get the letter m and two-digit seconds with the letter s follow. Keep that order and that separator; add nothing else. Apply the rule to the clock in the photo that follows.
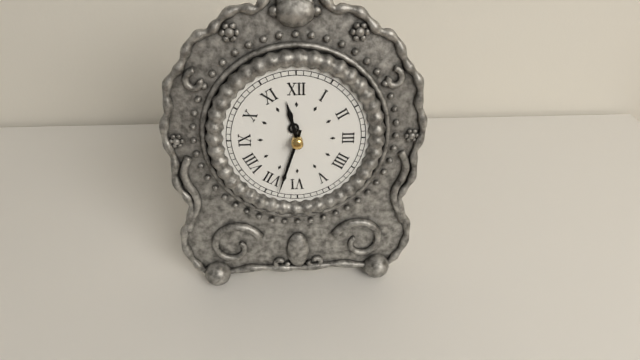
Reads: 11h33
